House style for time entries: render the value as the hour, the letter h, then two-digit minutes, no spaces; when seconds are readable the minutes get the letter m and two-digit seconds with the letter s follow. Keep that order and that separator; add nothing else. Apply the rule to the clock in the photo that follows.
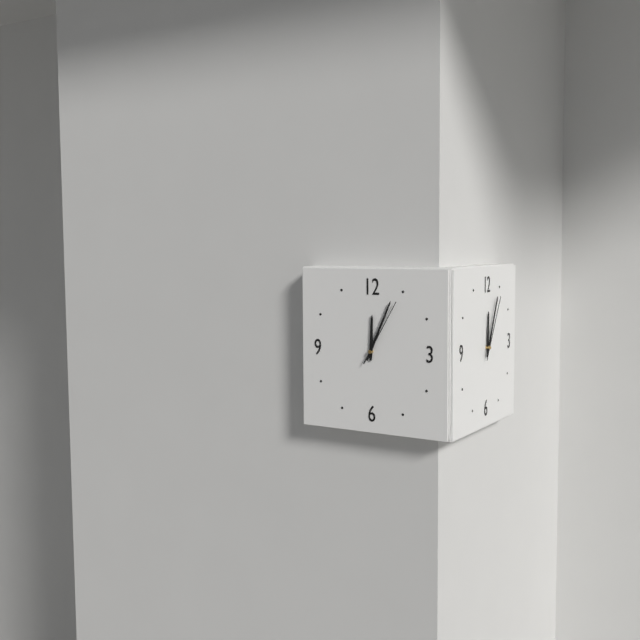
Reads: 12h04m05s
